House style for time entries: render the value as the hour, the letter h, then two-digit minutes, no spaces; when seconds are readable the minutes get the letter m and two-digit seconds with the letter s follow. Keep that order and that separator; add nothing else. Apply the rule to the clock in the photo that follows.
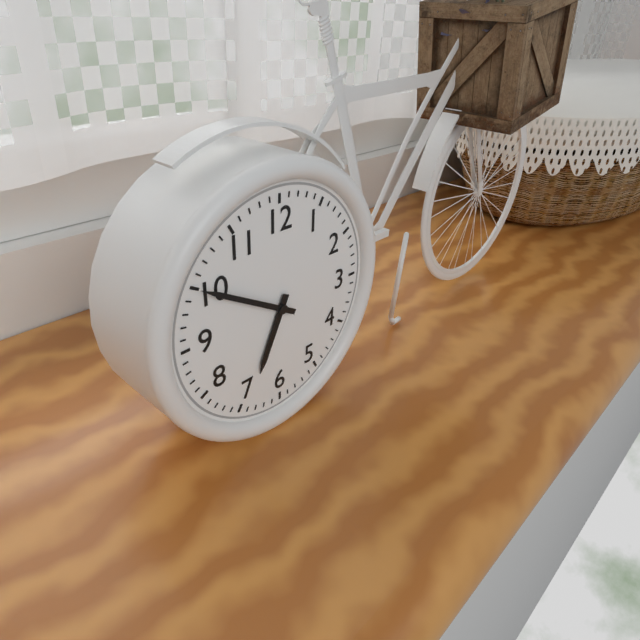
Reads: 6h50
